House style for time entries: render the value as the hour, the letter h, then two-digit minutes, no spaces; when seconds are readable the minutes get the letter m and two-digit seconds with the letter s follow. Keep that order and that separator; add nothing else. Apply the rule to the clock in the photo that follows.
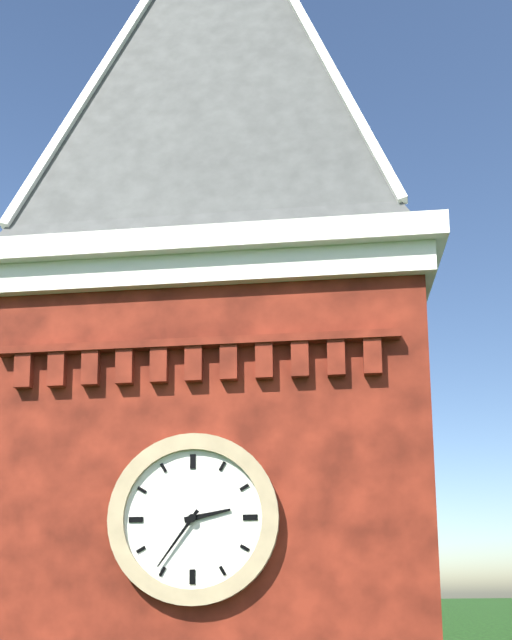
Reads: 2h36
